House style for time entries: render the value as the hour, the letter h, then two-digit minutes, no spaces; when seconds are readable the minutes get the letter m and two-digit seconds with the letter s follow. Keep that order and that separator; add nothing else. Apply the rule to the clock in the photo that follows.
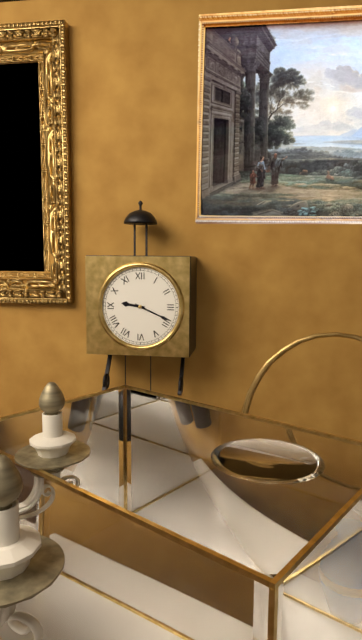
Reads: 9h19
